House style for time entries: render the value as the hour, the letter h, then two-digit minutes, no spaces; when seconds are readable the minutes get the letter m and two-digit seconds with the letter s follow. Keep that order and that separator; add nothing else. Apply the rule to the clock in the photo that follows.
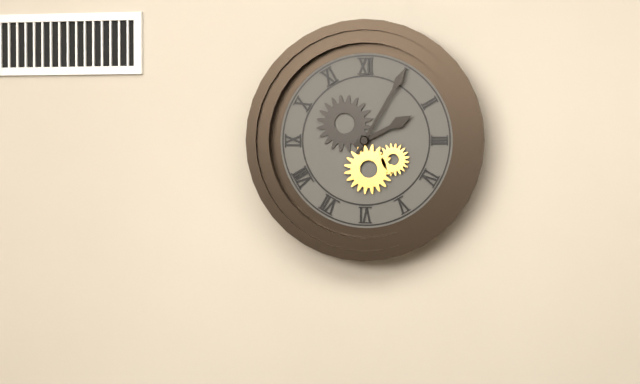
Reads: 2h05
